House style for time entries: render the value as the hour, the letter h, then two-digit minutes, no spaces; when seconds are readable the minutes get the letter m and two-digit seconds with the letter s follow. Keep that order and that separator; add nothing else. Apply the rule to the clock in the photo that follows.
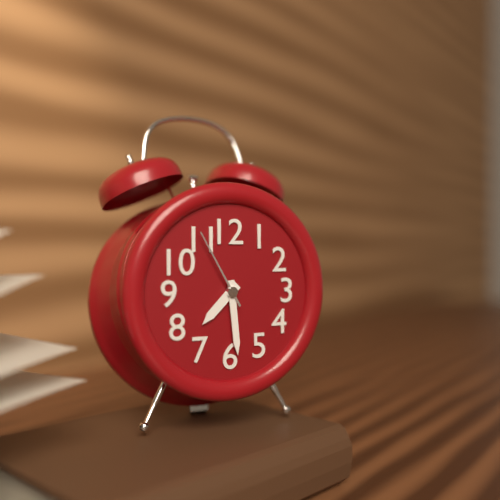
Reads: 7h29m55s
